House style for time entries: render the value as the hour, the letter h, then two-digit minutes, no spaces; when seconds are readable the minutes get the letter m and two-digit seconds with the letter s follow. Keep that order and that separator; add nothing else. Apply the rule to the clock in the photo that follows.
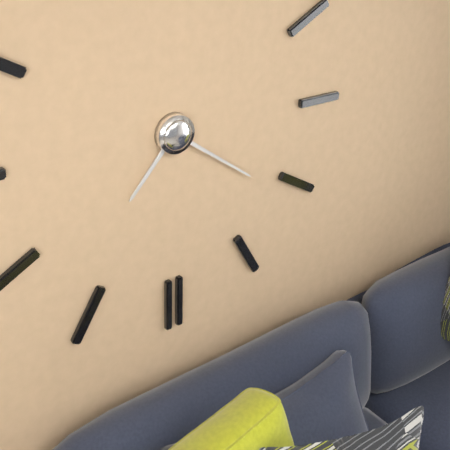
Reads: 7h21
